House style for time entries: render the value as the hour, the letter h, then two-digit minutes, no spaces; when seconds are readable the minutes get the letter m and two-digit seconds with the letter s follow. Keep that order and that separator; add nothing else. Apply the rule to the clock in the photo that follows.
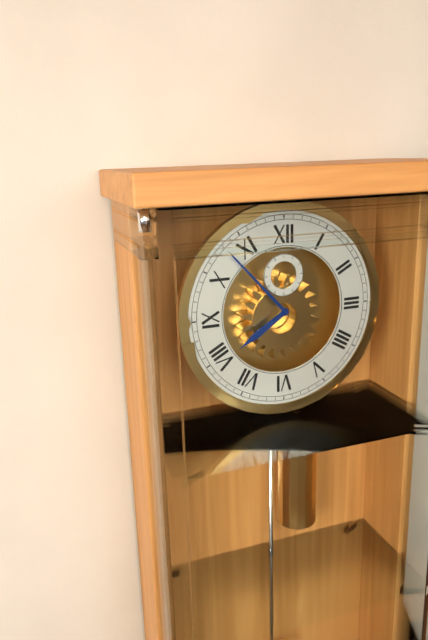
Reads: 7h53
